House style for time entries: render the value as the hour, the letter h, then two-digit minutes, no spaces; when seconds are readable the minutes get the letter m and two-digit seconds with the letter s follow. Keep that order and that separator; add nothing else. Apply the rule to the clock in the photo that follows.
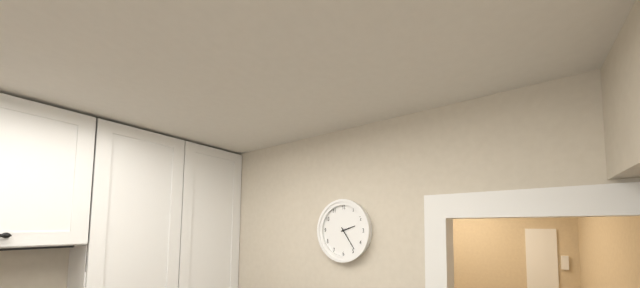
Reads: 2h24
